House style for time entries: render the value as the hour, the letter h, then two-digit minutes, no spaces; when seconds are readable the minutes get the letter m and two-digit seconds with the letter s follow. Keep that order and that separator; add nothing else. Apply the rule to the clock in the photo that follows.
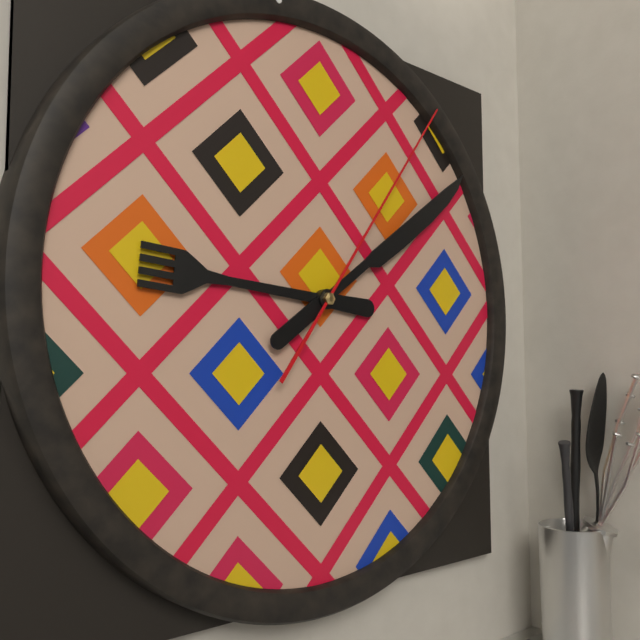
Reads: 9h09m06s
